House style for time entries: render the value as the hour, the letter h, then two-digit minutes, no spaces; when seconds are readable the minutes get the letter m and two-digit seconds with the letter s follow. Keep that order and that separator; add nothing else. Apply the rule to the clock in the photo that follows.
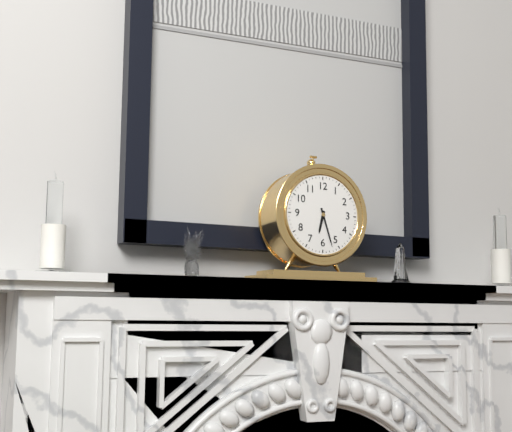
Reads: 6h27
